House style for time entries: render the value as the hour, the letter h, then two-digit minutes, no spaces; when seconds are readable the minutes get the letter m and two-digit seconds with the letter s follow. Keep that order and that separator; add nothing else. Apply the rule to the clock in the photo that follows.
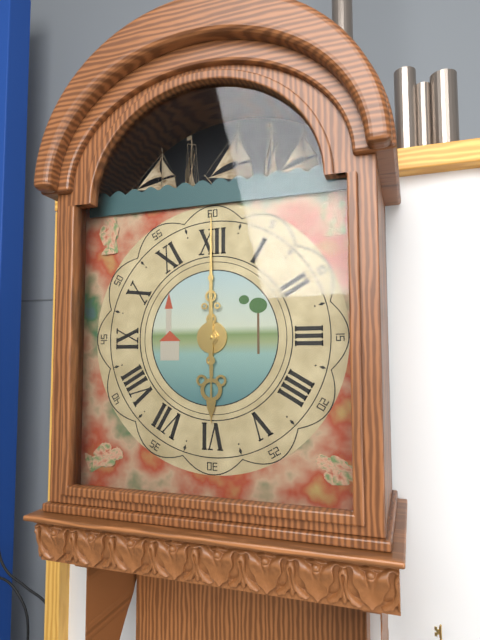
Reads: 6h00
